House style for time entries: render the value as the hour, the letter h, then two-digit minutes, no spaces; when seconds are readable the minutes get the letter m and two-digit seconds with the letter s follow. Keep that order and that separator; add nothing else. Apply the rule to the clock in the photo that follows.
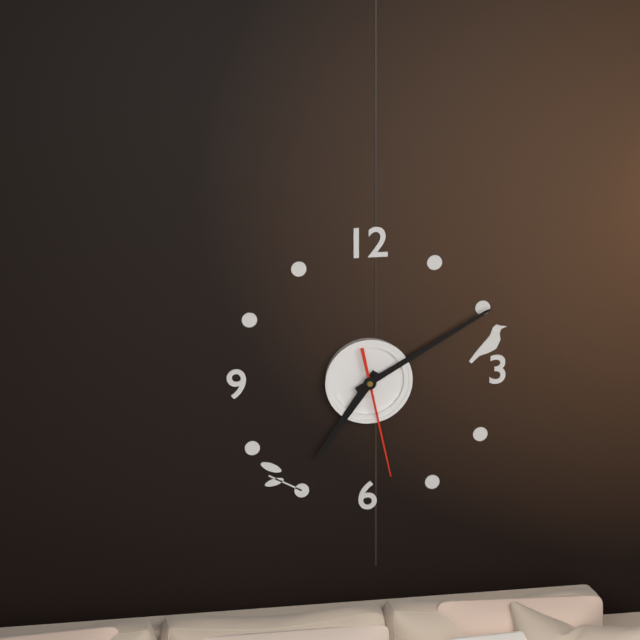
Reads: 7h10m28s
